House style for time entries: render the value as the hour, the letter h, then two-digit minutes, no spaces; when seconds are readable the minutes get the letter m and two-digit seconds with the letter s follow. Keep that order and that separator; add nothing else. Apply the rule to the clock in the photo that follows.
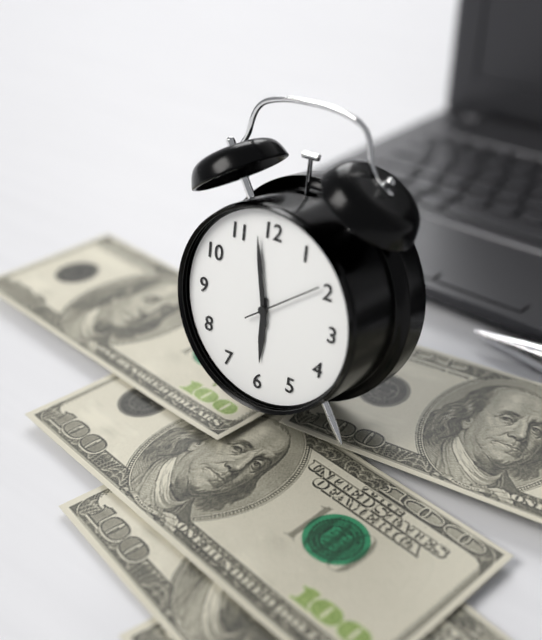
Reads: 5h58
